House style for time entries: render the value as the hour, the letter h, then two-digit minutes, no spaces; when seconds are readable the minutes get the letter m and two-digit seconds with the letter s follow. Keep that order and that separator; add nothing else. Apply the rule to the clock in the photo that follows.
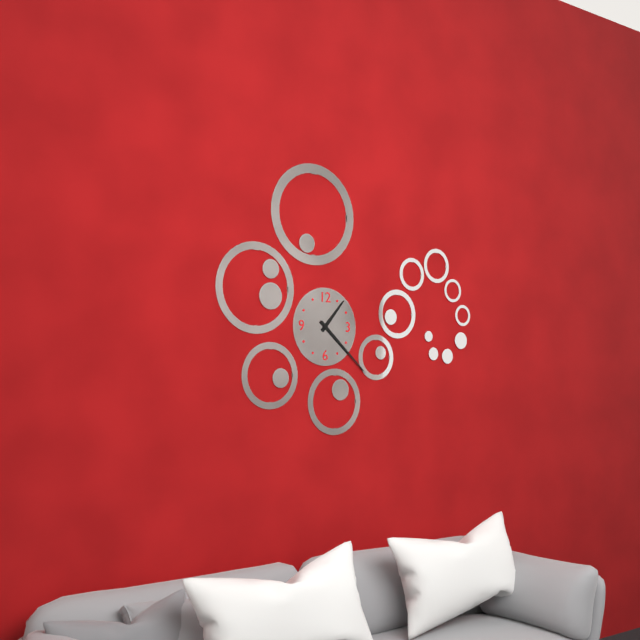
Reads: 1h22
